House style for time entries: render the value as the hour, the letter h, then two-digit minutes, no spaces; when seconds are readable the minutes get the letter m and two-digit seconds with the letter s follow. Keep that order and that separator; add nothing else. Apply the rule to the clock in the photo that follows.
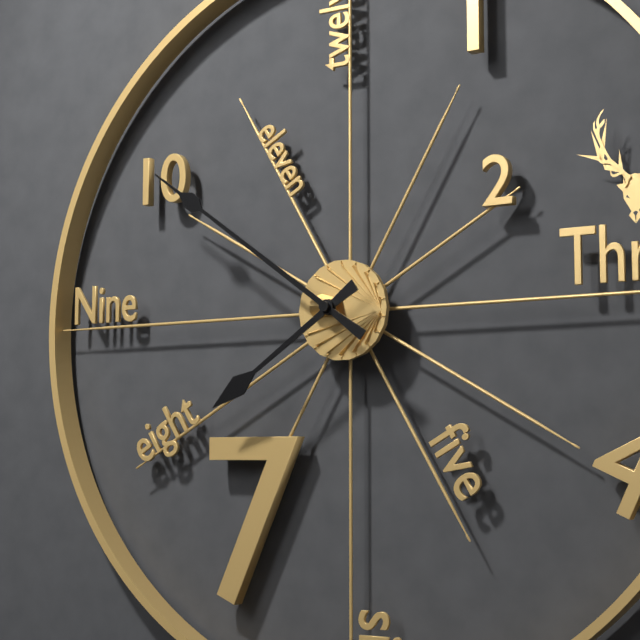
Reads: 7h51
